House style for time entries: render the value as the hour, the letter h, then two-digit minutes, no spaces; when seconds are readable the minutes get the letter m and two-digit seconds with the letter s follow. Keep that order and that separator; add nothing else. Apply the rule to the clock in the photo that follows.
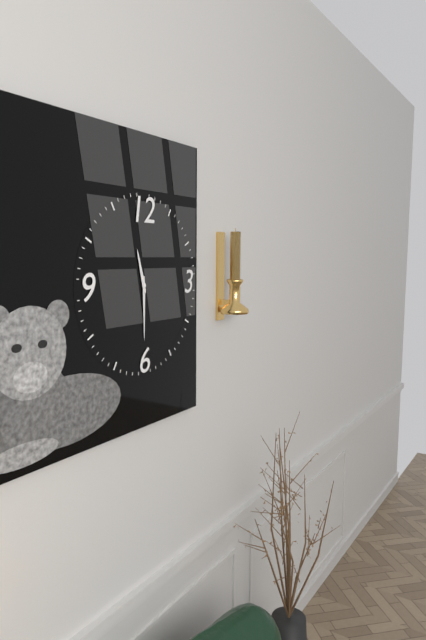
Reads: 11h30
